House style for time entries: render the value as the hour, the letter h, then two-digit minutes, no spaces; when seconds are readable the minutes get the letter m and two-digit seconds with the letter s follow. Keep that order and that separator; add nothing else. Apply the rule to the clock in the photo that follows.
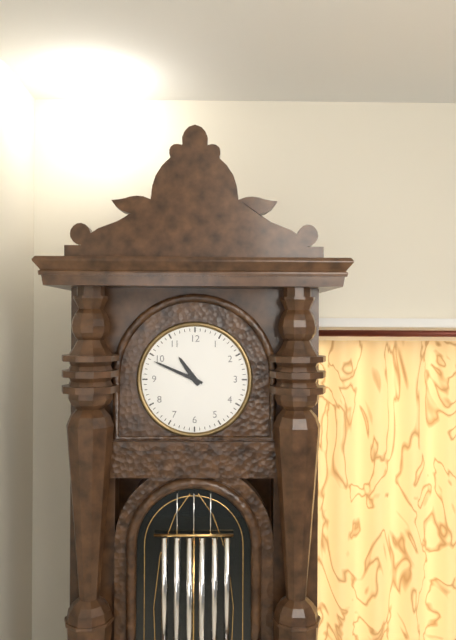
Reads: 10h49
